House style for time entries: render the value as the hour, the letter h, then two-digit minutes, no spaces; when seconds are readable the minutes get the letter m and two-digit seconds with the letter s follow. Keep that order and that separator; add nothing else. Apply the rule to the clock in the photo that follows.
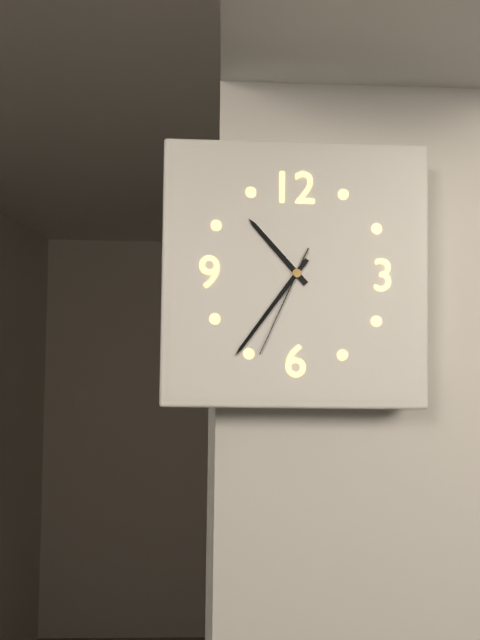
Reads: 10h36m34s
